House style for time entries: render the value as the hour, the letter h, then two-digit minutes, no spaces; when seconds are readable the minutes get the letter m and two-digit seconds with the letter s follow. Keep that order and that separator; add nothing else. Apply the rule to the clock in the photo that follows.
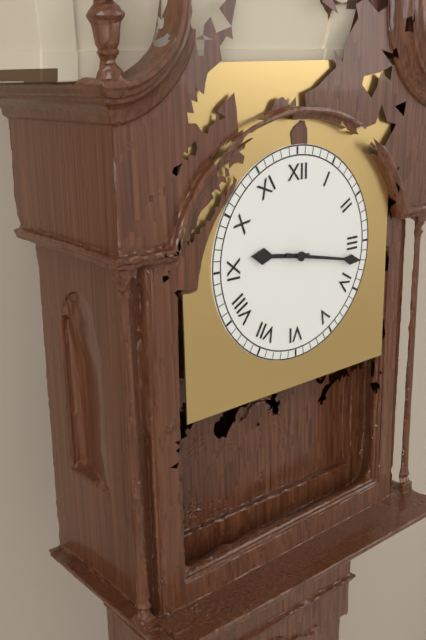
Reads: 9h17
